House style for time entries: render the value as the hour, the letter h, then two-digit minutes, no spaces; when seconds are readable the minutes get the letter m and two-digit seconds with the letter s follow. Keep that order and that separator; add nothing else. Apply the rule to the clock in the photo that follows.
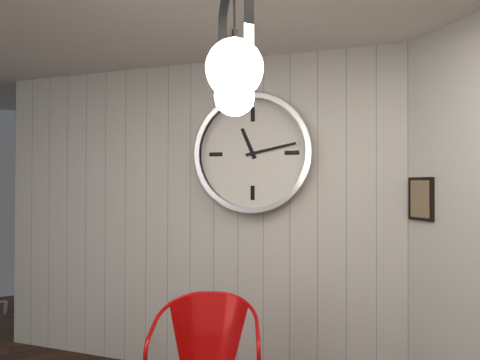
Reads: 11h13
